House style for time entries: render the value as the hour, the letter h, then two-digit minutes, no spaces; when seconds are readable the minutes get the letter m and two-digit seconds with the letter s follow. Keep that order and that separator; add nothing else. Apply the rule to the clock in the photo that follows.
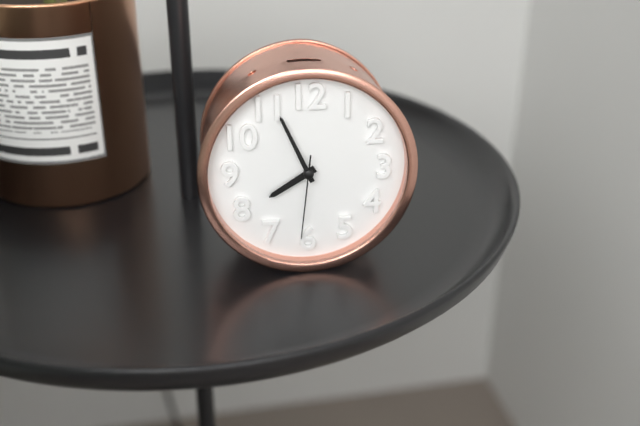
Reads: 7h56m31s
